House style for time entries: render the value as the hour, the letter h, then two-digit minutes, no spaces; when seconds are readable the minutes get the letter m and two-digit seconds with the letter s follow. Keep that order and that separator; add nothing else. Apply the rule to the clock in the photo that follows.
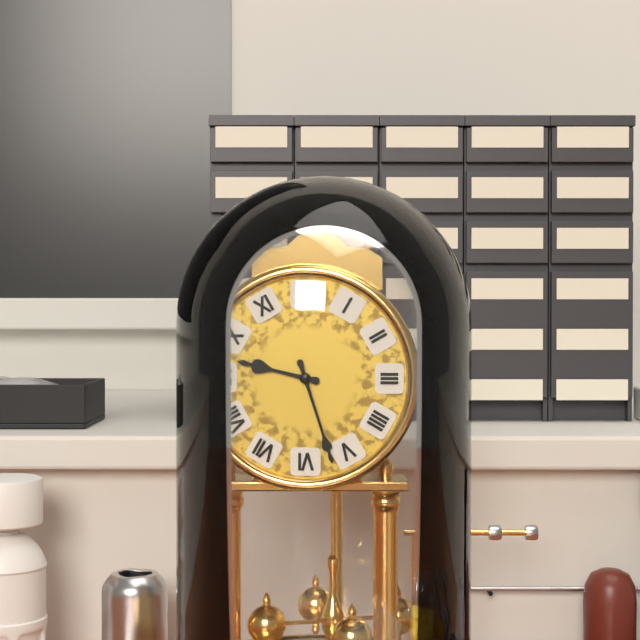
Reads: 9h27
